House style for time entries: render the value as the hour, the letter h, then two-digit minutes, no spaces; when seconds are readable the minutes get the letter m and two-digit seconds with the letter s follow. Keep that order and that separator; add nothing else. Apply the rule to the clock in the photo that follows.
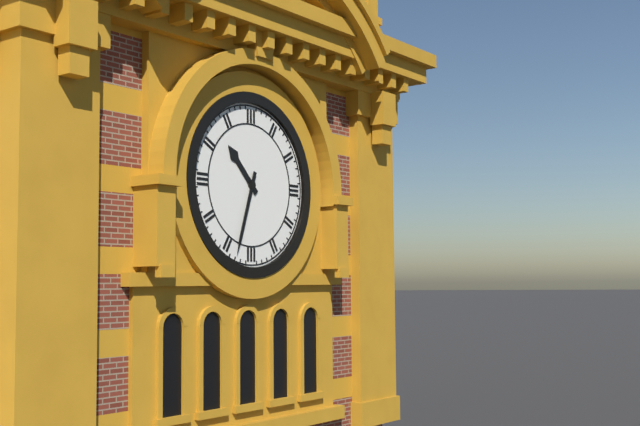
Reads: 10h33
